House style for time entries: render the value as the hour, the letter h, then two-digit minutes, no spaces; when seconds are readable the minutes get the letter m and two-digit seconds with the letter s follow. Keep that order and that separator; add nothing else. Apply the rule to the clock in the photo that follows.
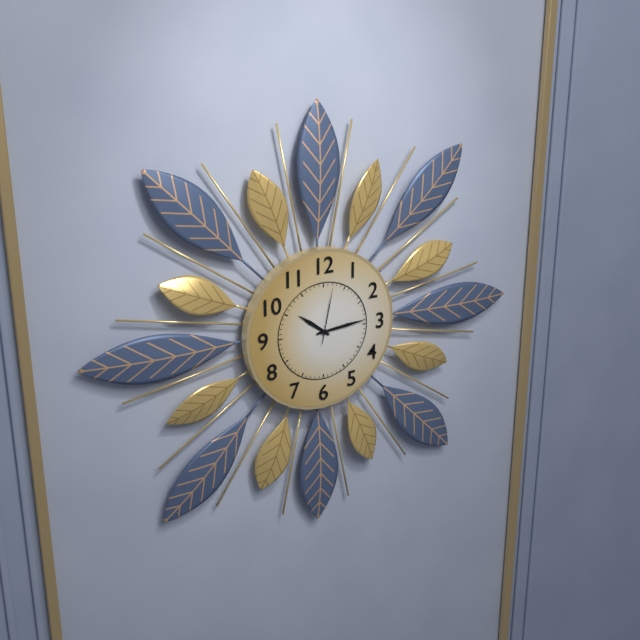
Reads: 10h14m02s
